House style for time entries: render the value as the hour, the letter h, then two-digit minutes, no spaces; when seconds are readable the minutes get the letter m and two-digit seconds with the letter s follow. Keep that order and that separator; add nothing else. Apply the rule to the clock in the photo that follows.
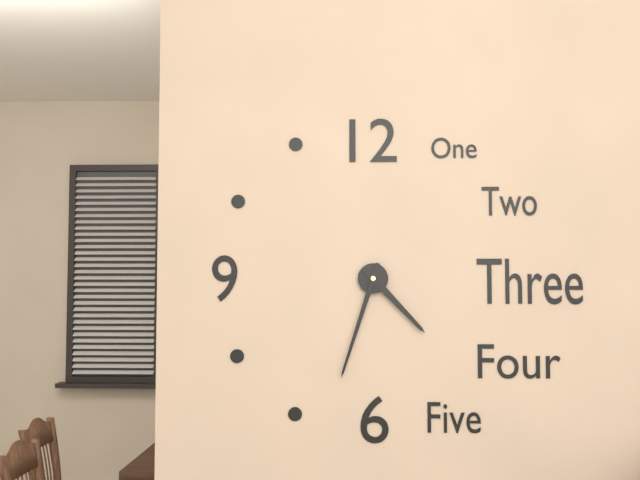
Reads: 4h33
